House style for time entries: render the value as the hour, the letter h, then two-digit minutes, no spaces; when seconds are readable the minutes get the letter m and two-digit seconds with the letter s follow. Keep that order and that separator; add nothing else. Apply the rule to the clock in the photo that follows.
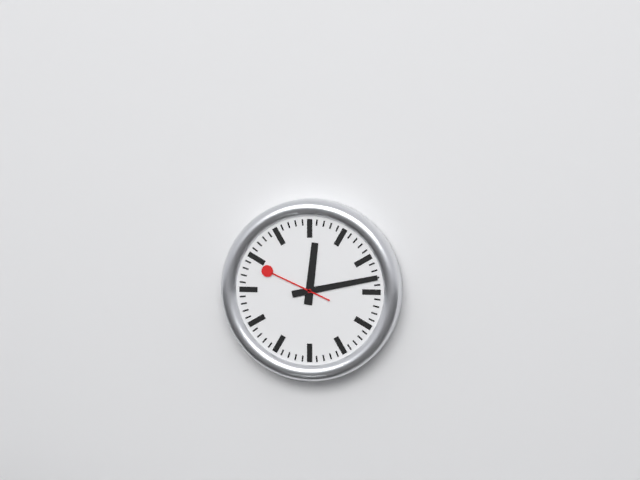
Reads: 12h13m49s
